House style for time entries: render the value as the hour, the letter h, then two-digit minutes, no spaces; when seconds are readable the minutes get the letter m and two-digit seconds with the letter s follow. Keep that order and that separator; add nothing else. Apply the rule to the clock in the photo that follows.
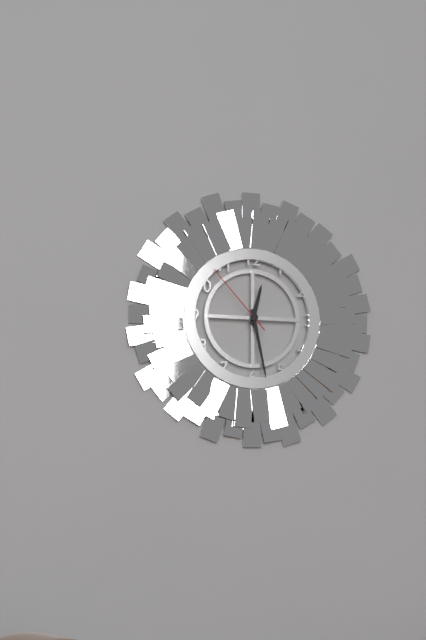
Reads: 12h28m53s
